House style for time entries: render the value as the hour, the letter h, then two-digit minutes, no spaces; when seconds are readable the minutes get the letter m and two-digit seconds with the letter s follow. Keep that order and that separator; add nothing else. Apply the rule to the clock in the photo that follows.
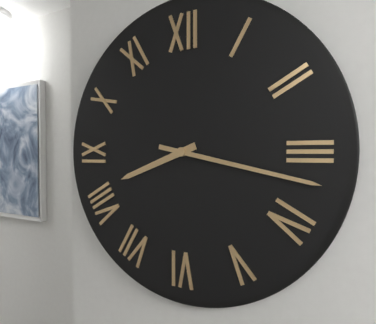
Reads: 8h17
